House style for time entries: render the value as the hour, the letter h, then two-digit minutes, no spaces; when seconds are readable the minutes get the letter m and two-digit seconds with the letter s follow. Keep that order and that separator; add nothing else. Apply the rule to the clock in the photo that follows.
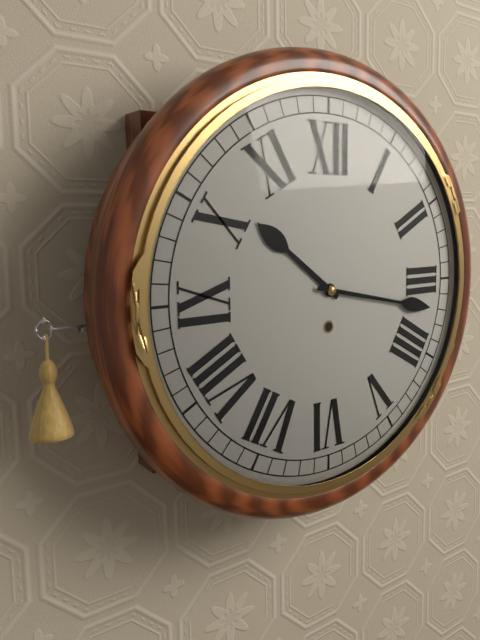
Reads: 10h17
